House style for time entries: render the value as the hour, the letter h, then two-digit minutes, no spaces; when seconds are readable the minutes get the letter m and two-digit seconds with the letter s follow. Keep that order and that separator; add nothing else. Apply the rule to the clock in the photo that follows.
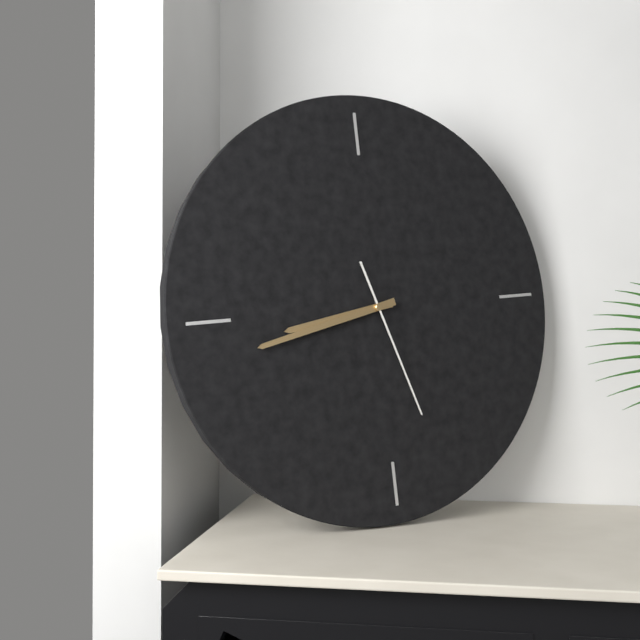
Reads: 8h43m27s
